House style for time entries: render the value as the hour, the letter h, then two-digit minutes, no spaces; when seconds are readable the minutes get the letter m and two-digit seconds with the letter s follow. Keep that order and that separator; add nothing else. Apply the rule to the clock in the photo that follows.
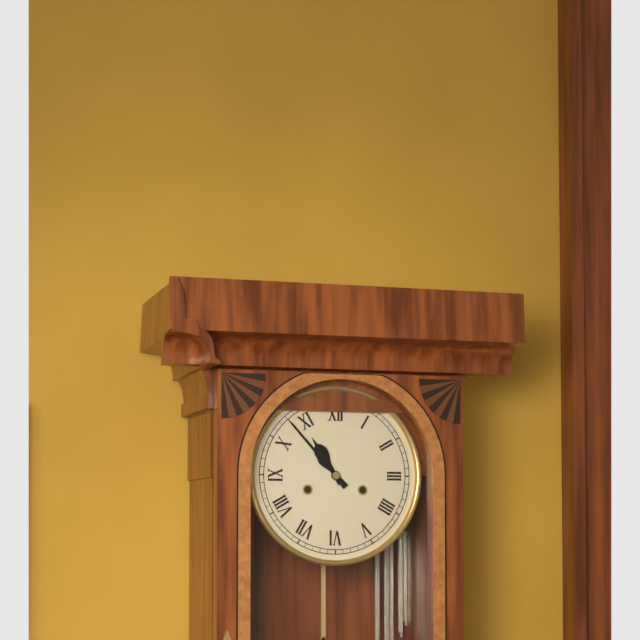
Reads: 10h53
